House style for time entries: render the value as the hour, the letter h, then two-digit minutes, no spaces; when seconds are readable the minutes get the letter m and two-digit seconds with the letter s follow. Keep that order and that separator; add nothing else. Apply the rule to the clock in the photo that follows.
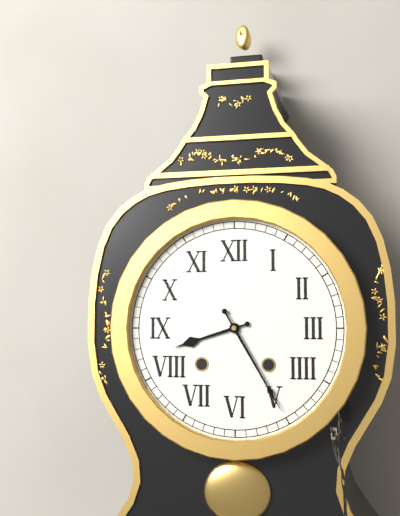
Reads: 8h25
